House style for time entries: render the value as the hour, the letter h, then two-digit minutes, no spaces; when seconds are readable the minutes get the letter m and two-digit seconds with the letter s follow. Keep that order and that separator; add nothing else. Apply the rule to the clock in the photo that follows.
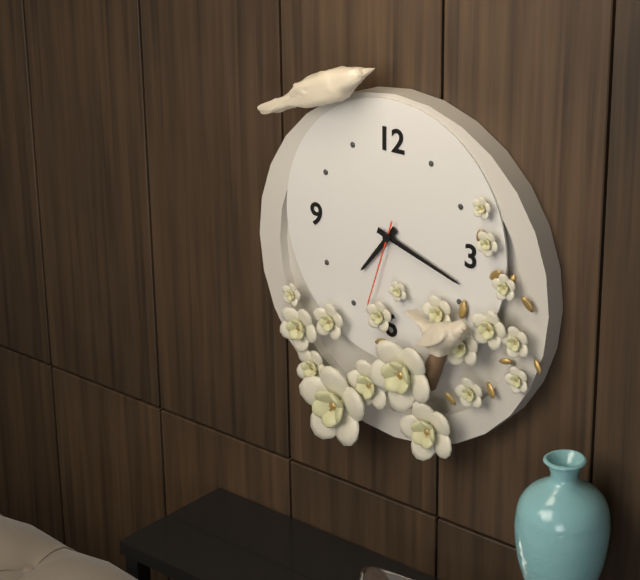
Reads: 7h18m33s
